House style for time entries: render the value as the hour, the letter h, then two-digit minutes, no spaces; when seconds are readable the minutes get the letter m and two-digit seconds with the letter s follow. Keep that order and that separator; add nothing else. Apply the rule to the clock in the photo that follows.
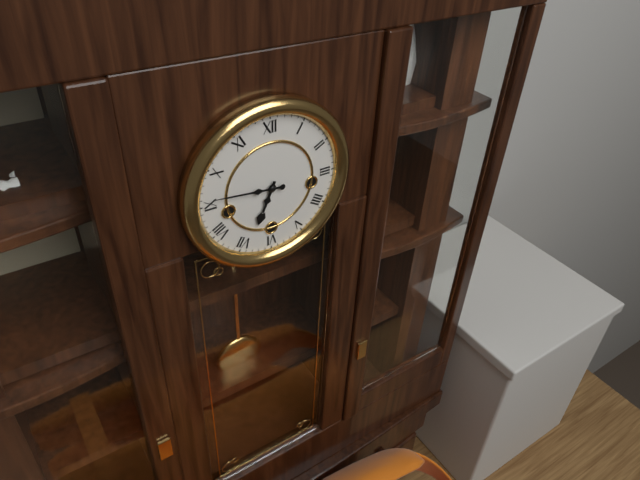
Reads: 6h46
